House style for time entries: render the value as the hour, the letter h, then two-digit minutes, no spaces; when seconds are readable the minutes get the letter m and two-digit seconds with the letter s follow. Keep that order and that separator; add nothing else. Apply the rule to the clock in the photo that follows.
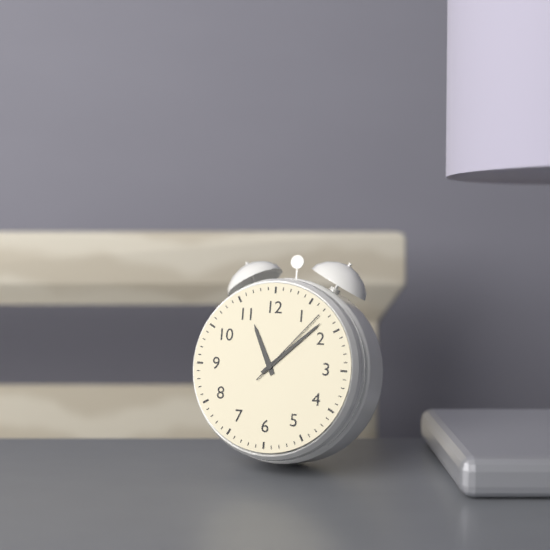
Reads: 11h08m07s
